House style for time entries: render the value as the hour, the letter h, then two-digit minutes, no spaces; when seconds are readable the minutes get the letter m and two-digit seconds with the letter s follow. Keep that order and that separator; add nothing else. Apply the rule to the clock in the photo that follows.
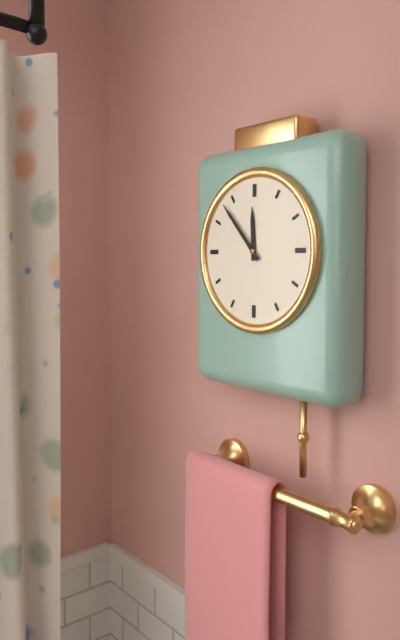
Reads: 11h53
